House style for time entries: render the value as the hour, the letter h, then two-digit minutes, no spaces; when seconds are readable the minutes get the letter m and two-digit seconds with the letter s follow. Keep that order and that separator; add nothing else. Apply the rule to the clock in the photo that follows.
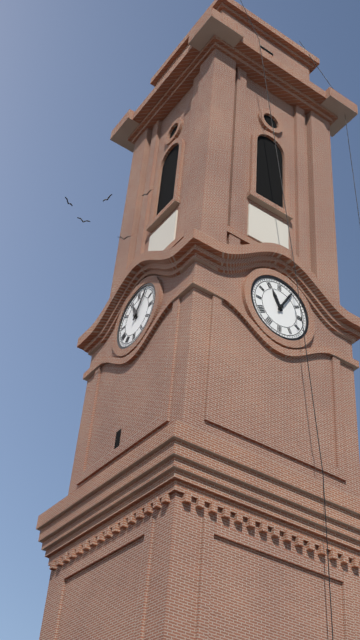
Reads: 11h05
